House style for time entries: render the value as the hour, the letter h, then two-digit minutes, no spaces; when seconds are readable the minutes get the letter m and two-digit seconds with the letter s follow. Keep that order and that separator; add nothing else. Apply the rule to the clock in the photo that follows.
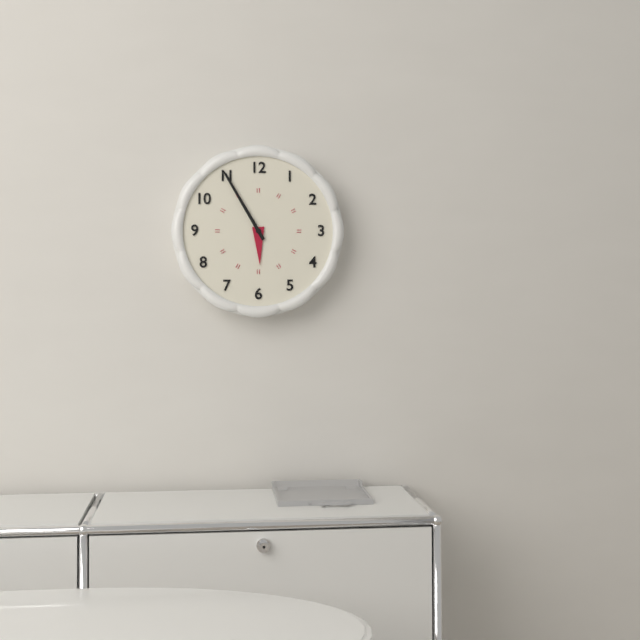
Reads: 5h55
